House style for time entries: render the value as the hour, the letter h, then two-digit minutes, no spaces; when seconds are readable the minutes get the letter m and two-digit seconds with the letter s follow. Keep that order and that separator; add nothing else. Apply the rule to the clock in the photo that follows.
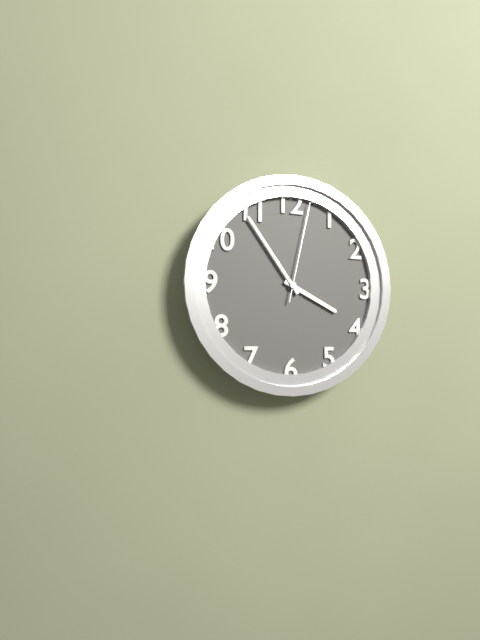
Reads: 3h54m02s
